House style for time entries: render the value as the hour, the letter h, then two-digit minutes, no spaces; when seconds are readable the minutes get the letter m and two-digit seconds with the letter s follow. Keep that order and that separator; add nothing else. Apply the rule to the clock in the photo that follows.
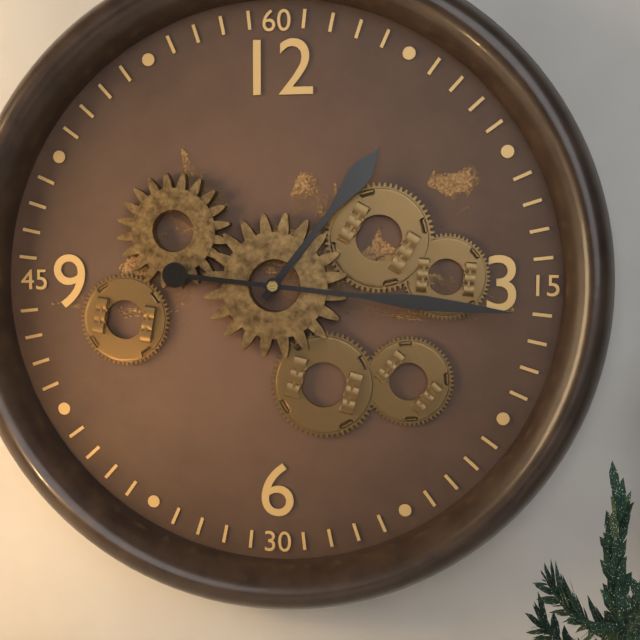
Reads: 1h16
